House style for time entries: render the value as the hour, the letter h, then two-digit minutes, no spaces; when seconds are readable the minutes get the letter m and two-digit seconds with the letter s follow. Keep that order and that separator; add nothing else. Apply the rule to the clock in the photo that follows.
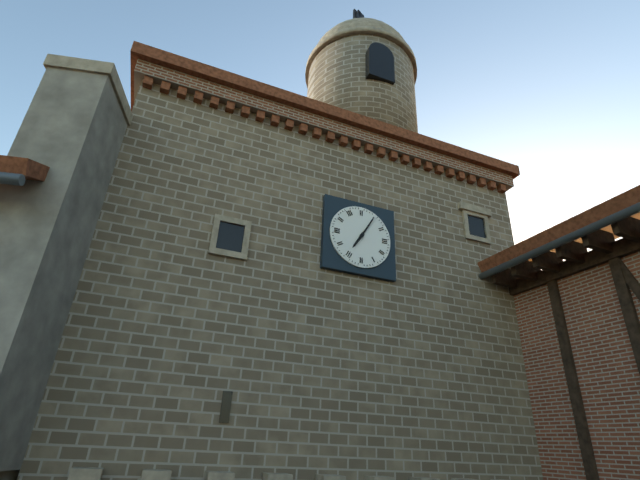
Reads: 7h05
